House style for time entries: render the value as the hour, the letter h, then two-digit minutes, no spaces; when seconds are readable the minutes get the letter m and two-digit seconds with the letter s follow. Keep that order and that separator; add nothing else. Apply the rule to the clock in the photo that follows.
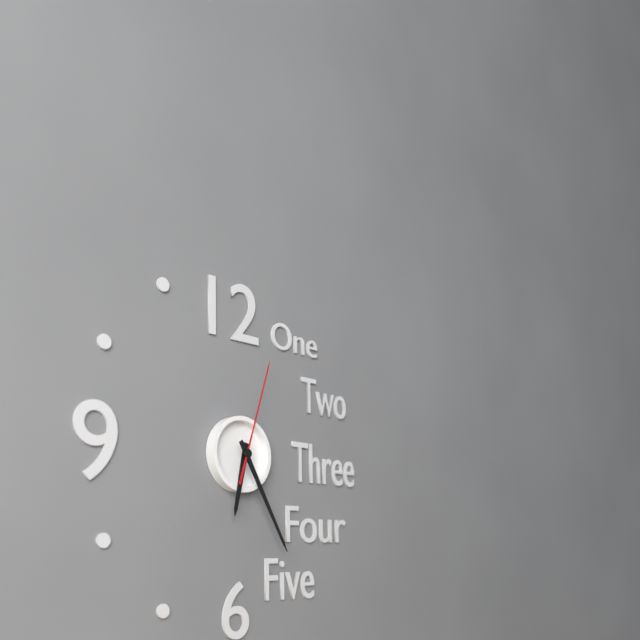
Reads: 6h25m03s
